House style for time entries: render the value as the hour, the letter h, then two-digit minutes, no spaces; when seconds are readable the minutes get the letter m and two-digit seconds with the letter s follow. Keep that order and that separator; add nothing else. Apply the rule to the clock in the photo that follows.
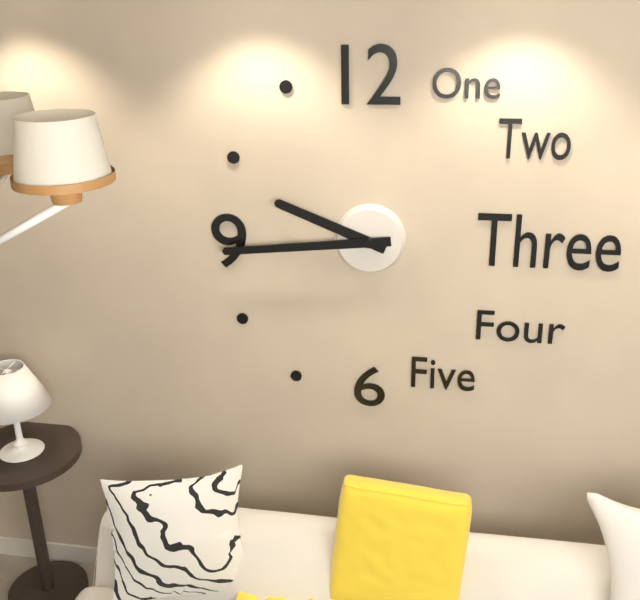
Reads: 9h44
